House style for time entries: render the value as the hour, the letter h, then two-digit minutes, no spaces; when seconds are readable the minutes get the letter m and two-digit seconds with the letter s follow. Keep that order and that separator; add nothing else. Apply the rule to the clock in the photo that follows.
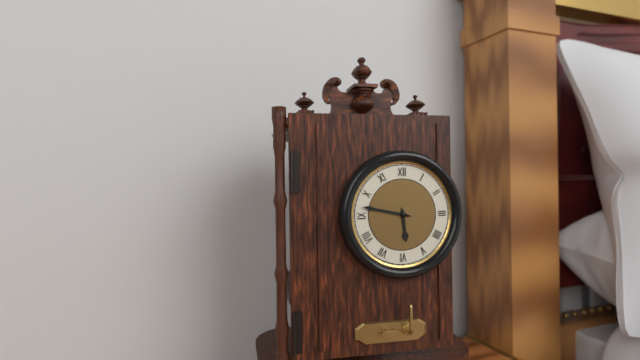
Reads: 5h47
